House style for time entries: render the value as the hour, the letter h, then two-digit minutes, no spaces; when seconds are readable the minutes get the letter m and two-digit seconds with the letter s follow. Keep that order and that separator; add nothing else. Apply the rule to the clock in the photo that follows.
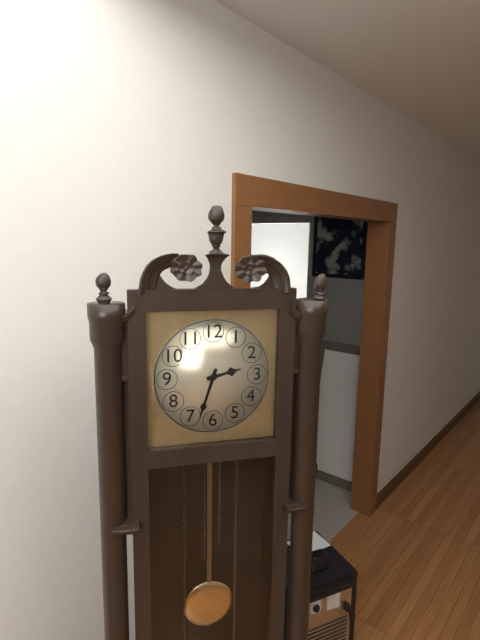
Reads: 2h33
